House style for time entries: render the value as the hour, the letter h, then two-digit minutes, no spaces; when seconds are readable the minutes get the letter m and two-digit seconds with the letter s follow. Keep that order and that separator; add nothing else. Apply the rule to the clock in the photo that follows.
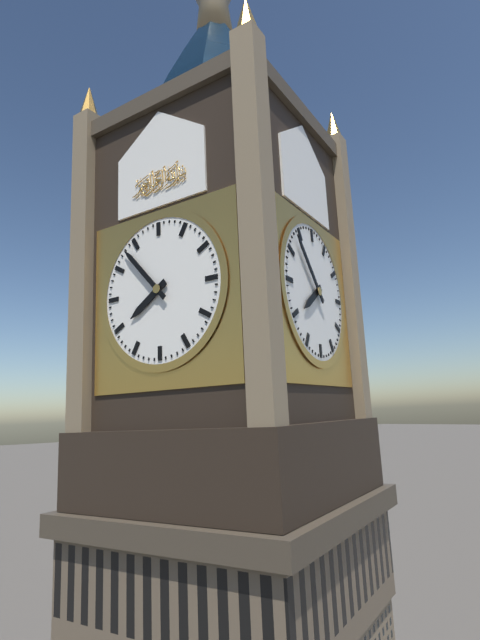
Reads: 7h53
